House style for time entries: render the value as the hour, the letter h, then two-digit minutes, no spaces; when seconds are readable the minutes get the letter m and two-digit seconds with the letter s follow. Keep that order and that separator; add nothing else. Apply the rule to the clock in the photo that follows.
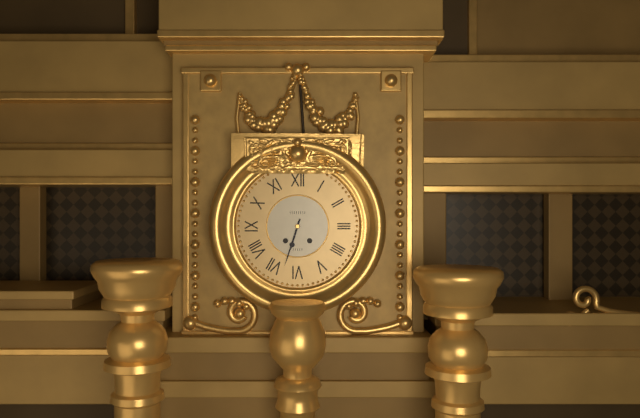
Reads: 6h33
